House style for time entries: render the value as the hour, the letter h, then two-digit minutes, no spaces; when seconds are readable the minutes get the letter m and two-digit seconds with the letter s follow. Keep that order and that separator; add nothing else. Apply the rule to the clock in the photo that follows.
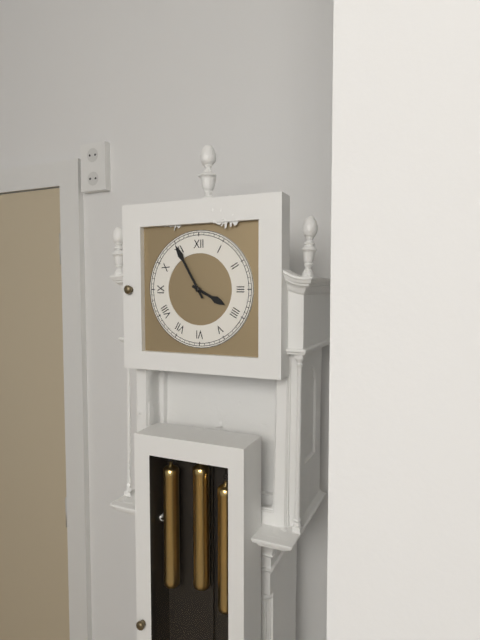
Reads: 3h55
